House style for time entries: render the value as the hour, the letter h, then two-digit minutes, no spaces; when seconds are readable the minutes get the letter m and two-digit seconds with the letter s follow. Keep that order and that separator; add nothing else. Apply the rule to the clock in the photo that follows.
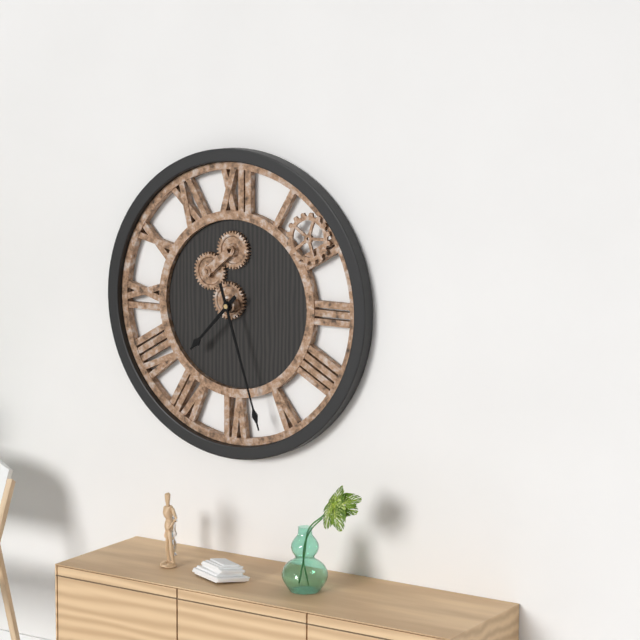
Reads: 7h27
